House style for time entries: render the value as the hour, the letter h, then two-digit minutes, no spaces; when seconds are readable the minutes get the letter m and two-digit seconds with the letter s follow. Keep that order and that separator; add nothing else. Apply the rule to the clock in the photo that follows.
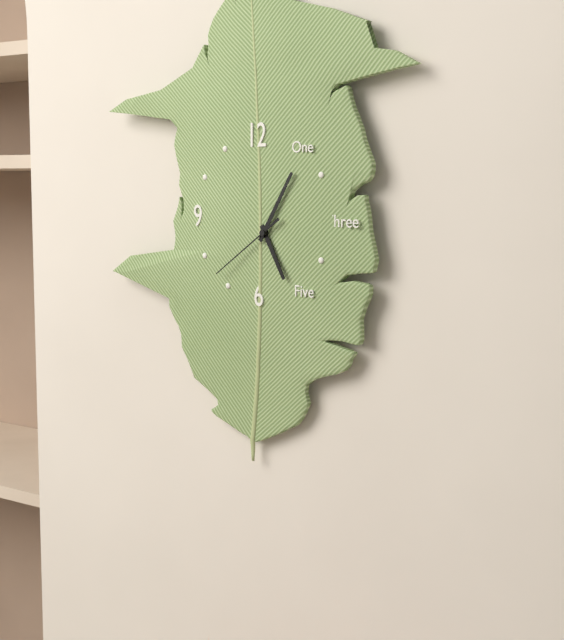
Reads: 5h05m39s
